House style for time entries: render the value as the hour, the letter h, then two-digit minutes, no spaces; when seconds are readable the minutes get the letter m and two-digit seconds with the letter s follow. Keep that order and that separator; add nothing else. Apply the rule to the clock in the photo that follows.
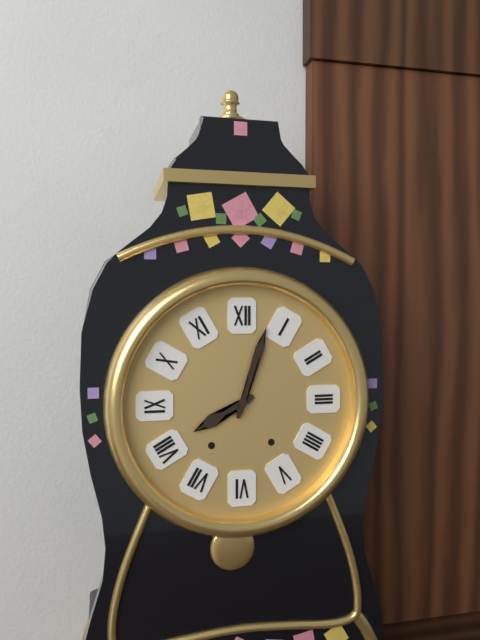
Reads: 8h03
